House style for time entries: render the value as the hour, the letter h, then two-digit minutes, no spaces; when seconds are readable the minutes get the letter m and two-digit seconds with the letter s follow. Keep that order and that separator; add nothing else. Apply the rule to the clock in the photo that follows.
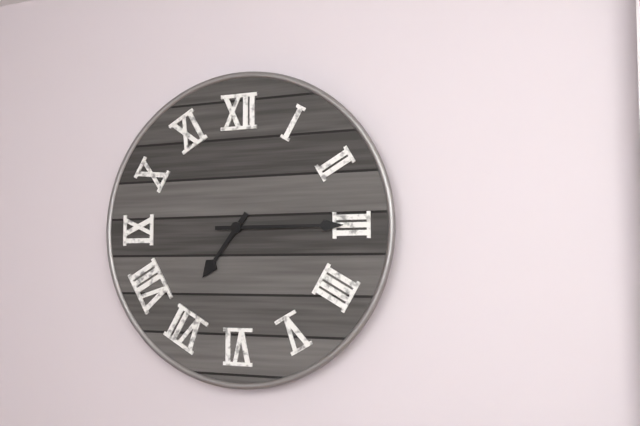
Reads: 7h15
